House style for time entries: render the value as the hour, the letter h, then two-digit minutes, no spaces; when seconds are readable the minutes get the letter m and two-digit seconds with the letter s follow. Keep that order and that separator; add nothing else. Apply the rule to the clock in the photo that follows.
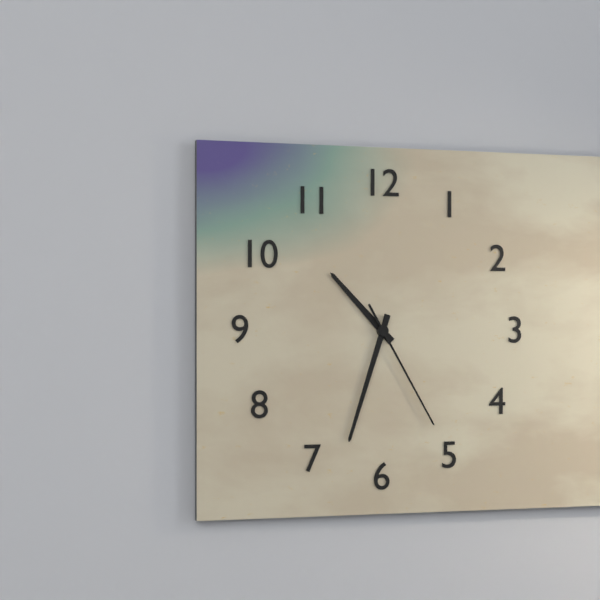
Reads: 10h33m25s
